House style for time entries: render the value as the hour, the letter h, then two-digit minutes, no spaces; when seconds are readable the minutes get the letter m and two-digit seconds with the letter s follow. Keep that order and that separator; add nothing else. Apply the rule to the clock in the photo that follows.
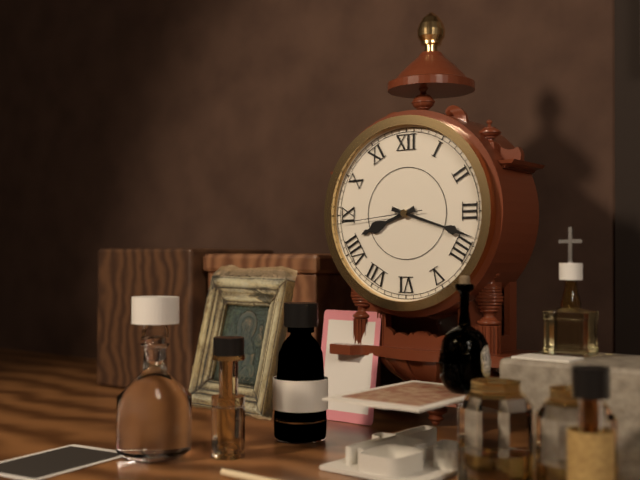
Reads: 8h18m44s
